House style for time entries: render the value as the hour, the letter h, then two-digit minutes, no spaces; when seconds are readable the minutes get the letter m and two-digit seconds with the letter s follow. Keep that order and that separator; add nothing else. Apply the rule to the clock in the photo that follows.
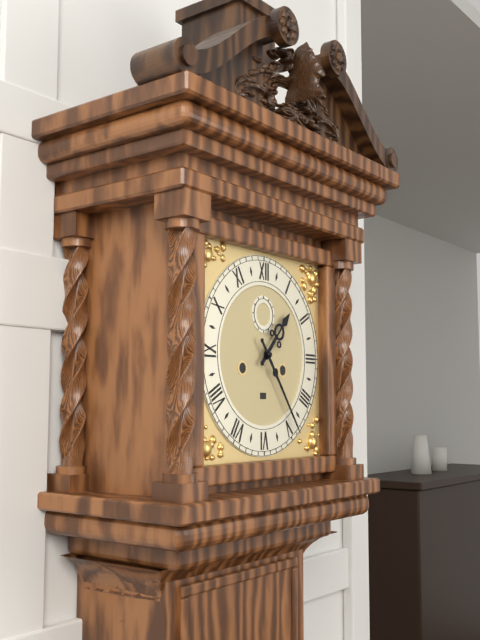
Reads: 1h24
